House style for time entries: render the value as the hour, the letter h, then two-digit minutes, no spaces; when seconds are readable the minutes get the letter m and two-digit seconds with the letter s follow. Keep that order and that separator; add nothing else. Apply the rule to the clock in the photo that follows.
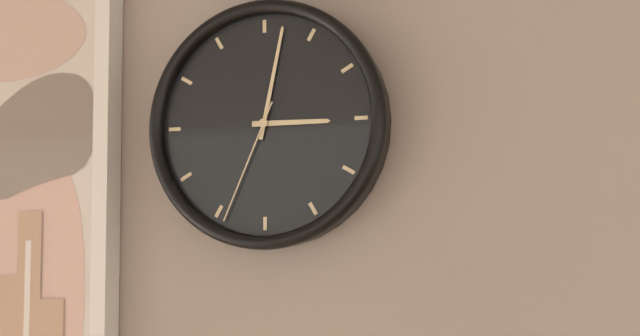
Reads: 3h02m34s
